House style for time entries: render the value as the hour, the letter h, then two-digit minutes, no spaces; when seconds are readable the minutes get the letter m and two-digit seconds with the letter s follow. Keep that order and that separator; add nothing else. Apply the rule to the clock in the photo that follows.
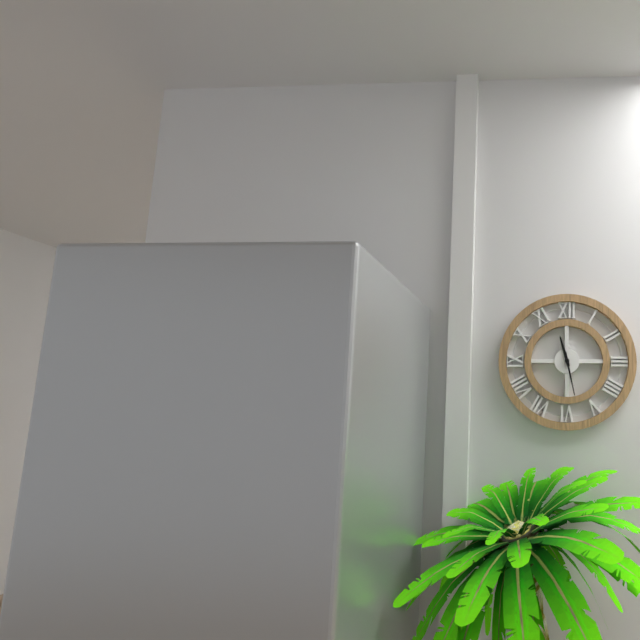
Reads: 11h28
